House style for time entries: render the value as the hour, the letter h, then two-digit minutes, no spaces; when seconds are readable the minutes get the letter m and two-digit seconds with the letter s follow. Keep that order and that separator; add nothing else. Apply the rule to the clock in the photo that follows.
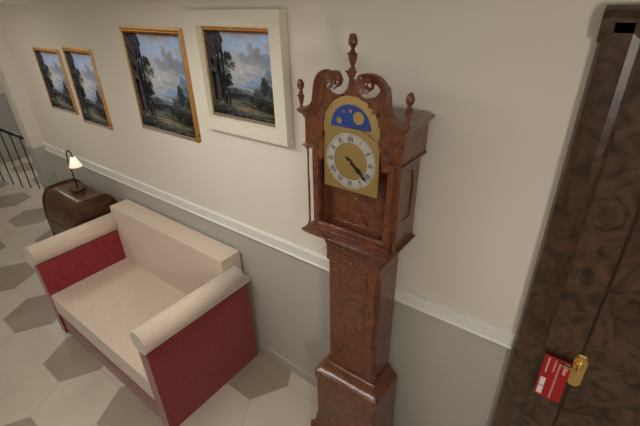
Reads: 4h22
